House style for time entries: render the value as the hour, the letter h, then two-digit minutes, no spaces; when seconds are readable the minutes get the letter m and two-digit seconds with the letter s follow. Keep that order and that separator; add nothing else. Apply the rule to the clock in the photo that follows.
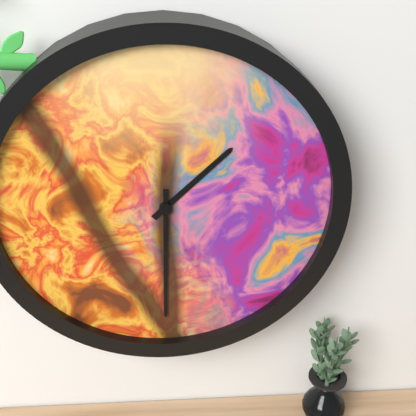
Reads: 1h30
